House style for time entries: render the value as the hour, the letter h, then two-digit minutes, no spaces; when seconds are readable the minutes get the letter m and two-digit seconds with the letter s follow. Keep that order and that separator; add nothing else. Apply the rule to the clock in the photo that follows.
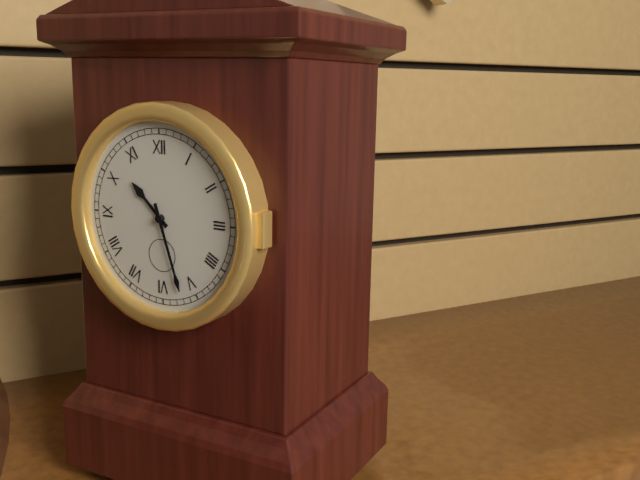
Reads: 10h27
